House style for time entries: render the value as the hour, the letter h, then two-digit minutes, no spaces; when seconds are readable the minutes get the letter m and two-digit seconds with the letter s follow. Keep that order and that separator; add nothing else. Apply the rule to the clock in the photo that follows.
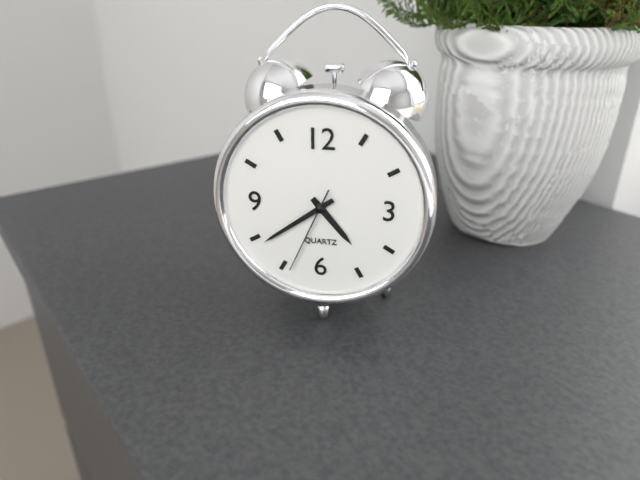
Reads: 4h39m34s
